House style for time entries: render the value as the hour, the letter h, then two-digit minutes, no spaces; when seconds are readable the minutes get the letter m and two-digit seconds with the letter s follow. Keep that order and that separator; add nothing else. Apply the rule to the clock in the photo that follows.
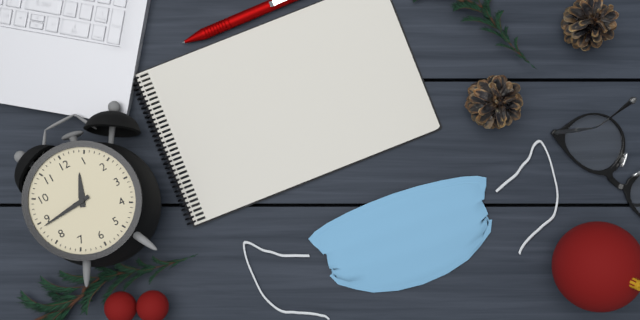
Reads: 12h44
